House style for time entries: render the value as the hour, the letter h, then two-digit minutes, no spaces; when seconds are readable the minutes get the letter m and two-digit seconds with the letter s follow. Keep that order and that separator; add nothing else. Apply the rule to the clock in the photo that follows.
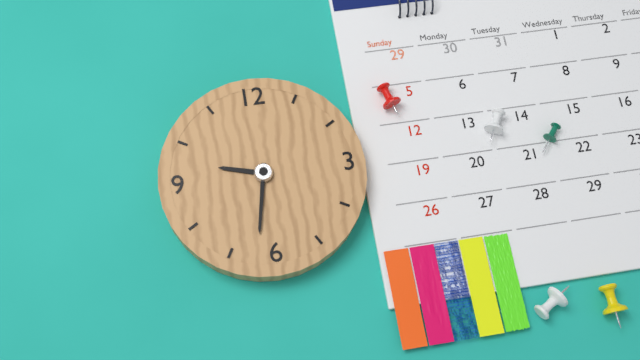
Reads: 9h32
